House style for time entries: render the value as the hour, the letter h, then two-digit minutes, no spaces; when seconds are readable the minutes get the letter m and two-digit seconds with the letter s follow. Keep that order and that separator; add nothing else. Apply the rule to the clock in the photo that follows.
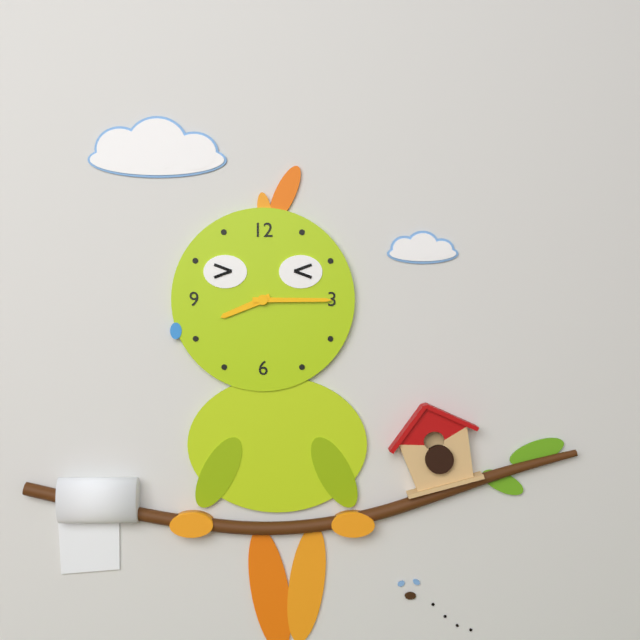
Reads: 8h15
